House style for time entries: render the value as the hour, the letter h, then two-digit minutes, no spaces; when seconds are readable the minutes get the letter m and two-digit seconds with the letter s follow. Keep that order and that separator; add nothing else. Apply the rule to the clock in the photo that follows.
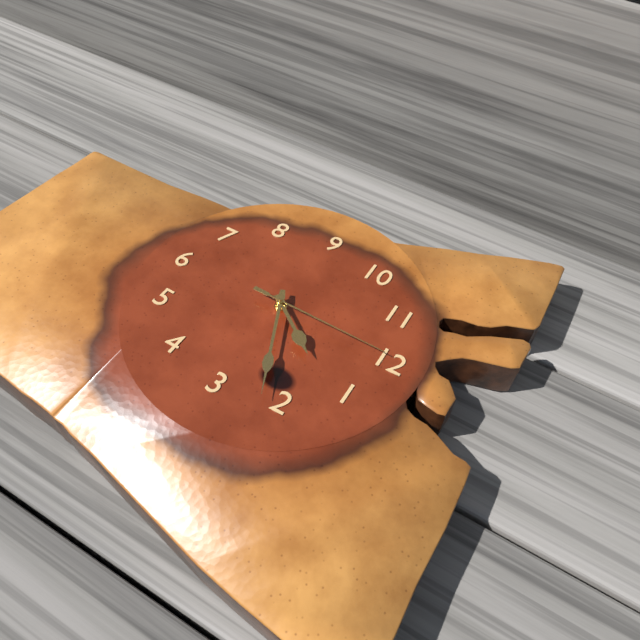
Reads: 1h11m00s
